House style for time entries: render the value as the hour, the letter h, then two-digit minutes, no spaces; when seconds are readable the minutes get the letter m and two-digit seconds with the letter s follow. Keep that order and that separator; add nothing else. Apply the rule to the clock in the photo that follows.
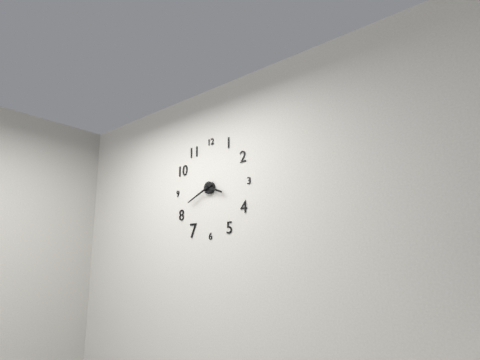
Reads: 3h41
